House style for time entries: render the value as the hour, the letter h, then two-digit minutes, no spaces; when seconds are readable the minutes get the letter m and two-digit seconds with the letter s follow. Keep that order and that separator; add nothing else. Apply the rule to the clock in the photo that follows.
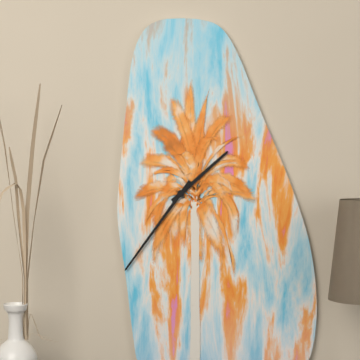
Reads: 1h36
